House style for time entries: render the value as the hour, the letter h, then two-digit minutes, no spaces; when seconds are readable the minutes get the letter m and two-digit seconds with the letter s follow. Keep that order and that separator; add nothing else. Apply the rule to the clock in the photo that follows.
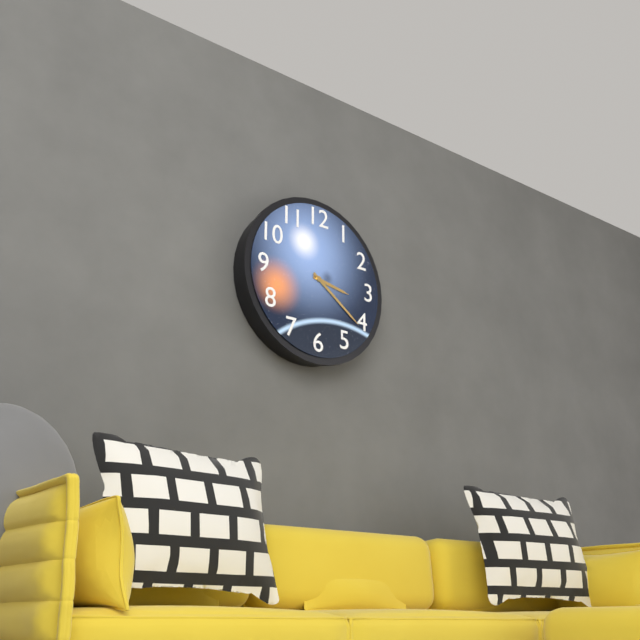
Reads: 3h21
